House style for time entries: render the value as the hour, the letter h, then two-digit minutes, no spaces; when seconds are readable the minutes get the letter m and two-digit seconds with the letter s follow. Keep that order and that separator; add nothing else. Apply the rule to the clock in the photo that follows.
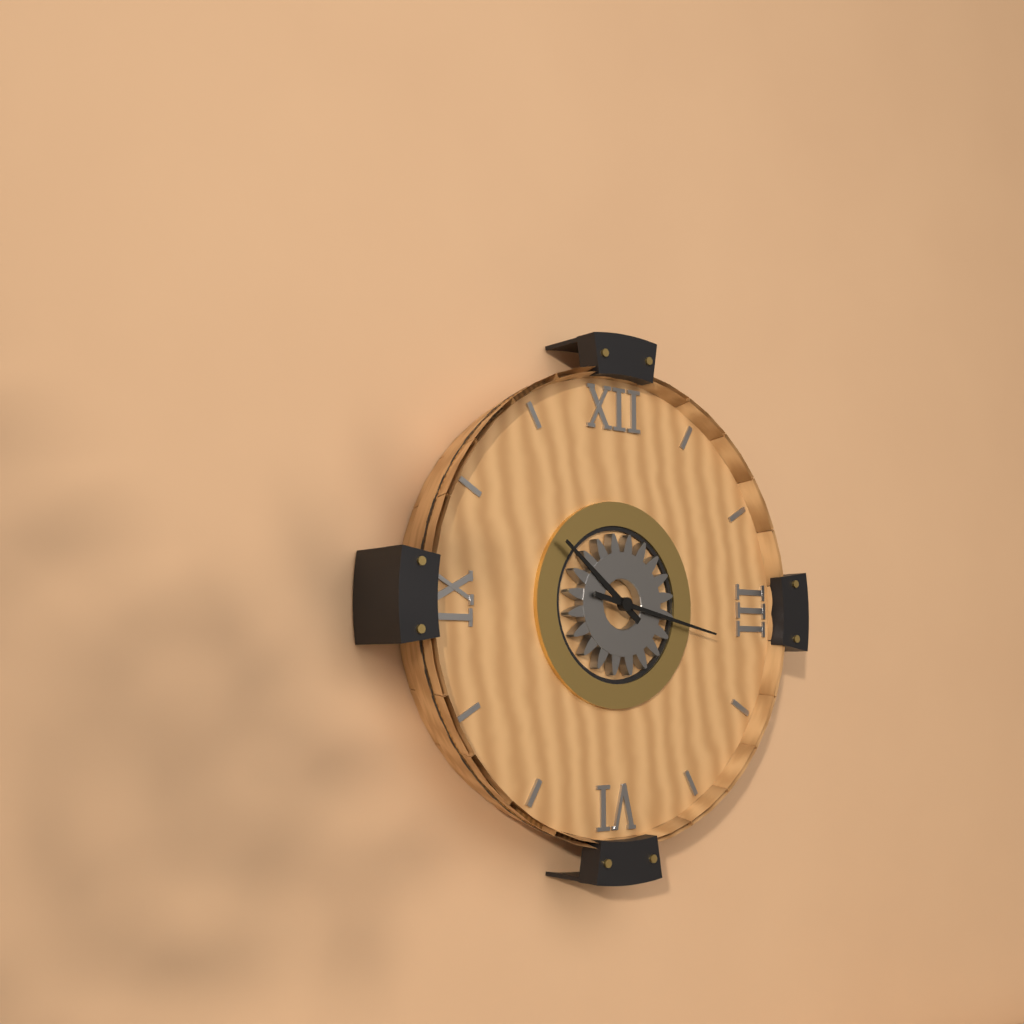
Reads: 10h17
